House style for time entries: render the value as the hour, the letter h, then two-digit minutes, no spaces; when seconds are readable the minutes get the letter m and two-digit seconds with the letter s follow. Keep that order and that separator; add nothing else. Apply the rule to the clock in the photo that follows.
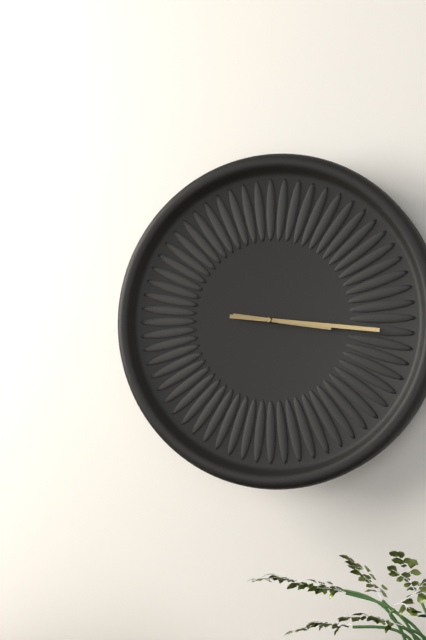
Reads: 3h16
